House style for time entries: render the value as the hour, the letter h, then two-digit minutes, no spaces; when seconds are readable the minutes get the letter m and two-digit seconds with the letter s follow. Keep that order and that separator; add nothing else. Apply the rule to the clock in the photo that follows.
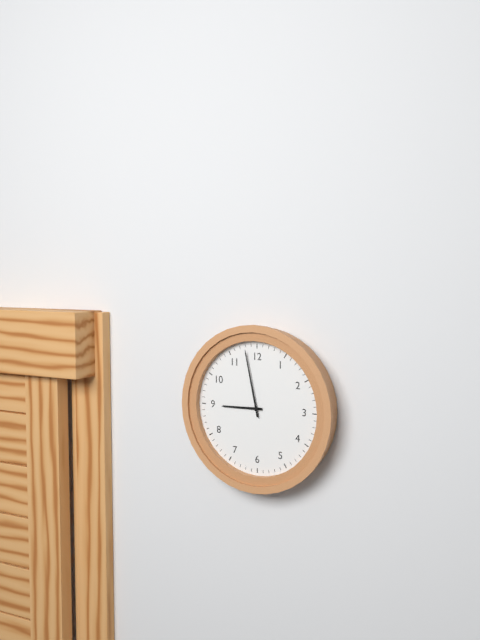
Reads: 8h58
